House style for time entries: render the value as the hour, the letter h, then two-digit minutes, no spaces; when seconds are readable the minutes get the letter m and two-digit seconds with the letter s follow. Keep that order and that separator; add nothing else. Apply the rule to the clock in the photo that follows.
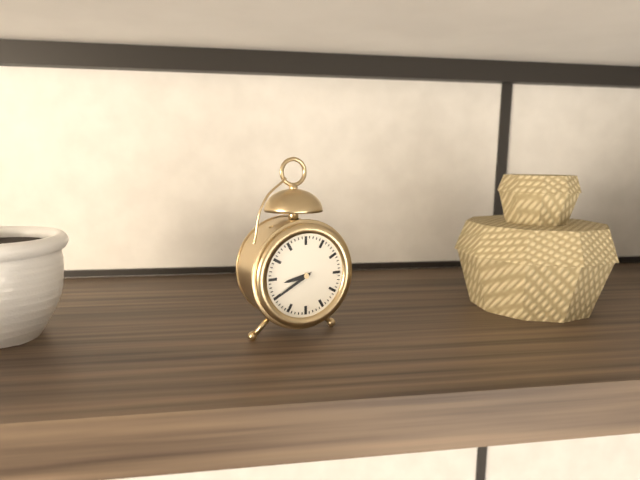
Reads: 8h40
